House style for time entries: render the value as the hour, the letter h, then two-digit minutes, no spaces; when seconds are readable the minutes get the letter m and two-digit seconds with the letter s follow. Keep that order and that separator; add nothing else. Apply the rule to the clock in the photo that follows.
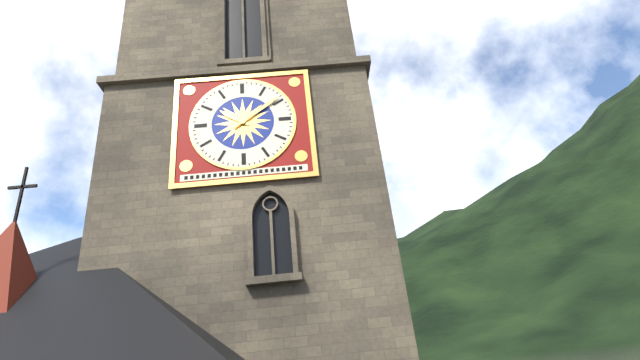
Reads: 10h09
